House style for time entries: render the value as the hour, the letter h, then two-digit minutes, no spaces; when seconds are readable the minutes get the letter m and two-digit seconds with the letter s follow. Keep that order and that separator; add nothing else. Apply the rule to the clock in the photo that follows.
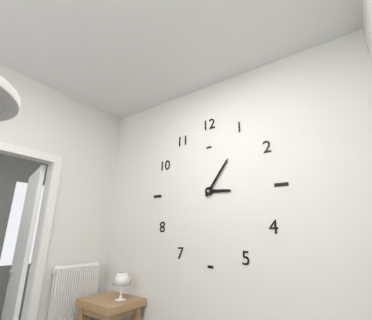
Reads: 3h06
